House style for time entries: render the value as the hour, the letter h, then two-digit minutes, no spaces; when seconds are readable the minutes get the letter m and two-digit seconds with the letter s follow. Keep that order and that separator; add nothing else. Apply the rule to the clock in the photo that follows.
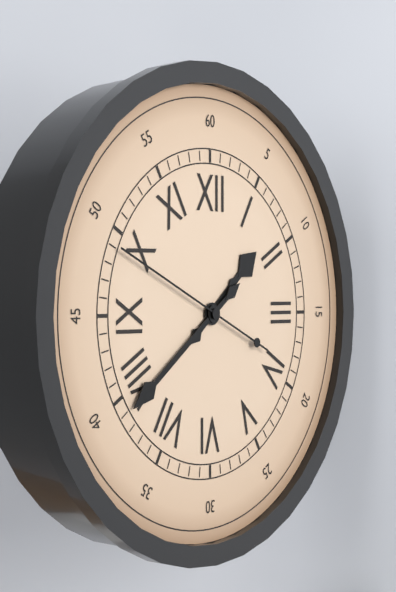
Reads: 1h39m49s
